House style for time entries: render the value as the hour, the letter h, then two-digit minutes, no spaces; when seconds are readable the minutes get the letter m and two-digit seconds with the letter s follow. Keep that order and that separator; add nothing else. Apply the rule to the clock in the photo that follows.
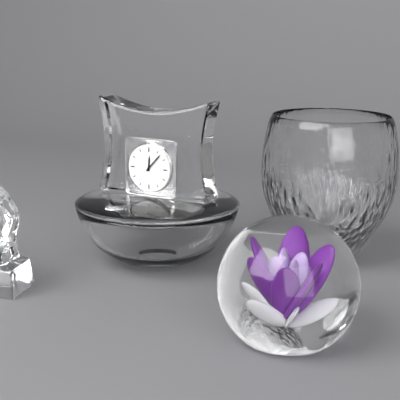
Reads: 12h07
